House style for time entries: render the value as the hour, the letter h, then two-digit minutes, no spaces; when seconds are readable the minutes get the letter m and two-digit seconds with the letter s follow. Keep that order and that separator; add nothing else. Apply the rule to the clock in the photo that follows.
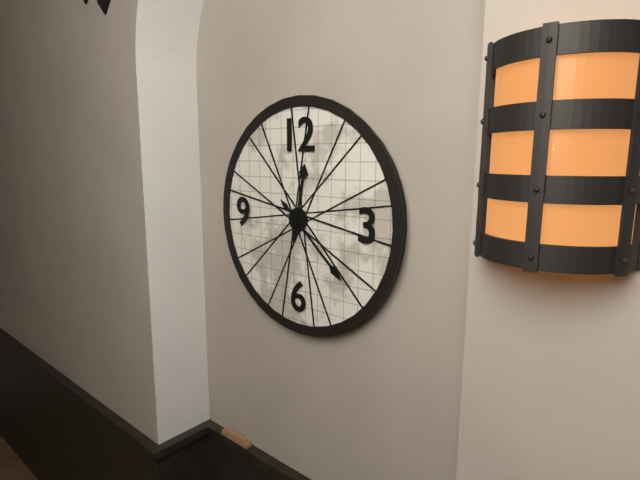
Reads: 12h22
